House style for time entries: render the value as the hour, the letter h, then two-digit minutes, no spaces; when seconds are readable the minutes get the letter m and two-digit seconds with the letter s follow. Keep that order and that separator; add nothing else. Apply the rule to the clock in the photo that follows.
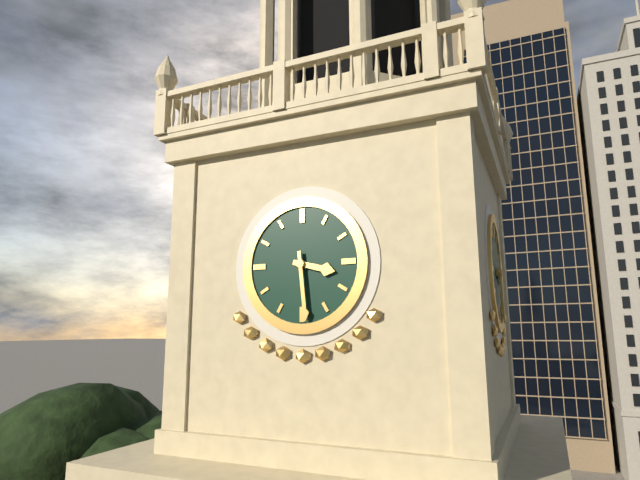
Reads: 3h29
